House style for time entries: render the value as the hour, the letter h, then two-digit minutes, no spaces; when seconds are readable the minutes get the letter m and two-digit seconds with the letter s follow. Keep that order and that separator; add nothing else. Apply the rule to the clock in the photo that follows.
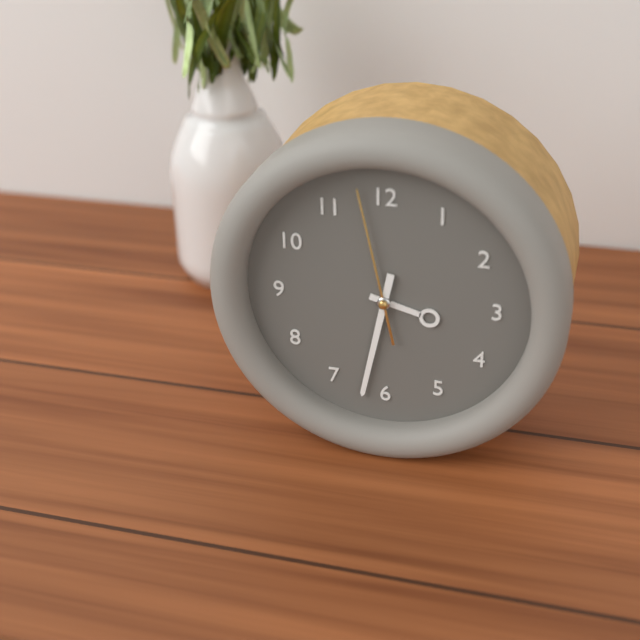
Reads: 3h32m58s
